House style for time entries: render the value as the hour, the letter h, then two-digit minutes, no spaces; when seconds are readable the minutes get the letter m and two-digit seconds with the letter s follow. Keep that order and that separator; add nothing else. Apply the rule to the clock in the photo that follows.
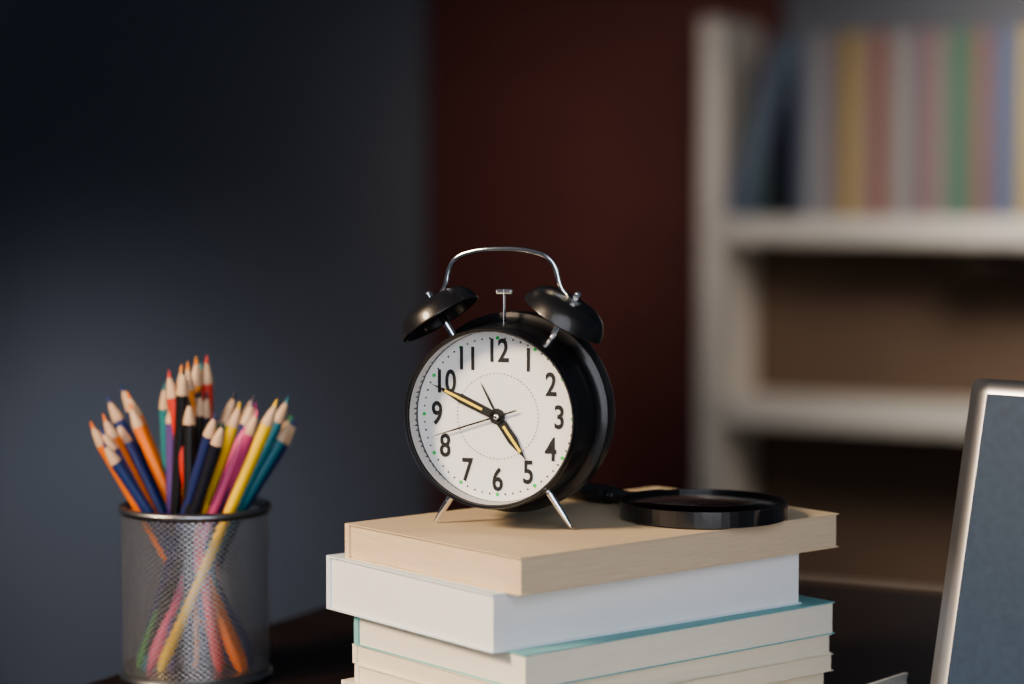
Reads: 4h49m42s
